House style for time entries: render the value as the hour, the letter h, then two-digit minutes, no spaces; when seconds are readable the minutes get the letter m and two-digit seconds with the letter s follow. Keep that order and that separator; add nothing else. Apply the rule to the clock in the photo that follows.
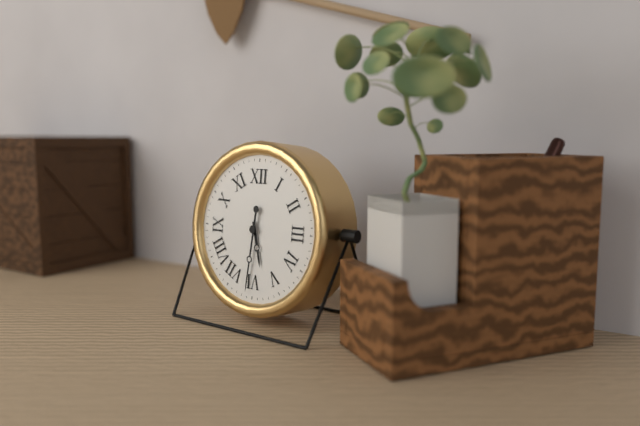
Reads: 5h31
